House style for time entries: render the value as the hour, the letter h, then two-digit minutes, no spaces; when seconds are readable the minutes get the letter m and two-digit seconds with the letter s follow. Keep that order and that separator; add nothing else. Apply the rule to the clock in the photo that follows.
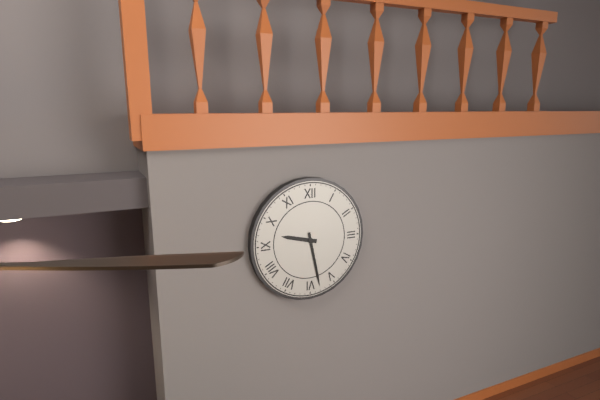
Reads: 9h28
